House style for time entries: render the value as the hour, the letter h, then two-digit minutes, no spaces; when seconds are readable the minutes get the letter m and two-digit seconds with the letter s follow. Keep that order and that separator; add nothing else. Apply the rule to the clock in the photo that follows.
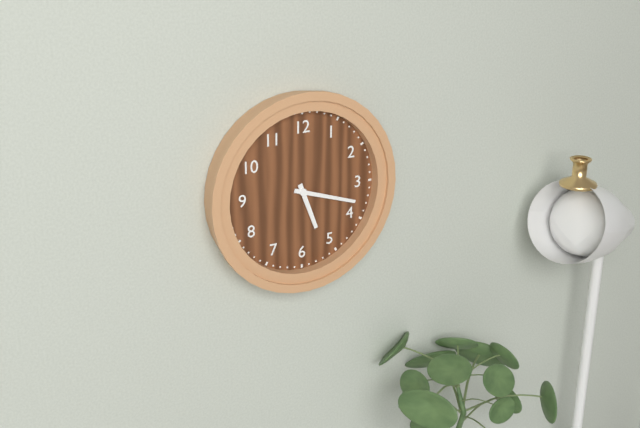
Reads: 5h18
